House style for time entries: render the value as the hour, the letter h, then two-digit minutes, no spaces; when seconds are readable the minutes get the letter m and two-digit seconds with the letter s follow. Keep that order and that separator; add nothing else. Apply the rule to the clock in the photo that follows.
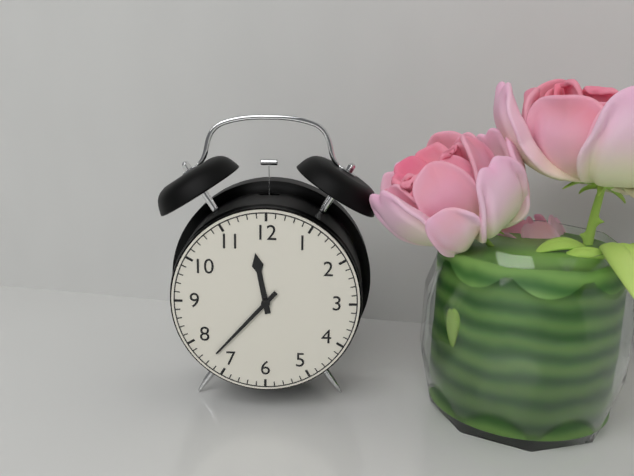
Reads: 11h37
